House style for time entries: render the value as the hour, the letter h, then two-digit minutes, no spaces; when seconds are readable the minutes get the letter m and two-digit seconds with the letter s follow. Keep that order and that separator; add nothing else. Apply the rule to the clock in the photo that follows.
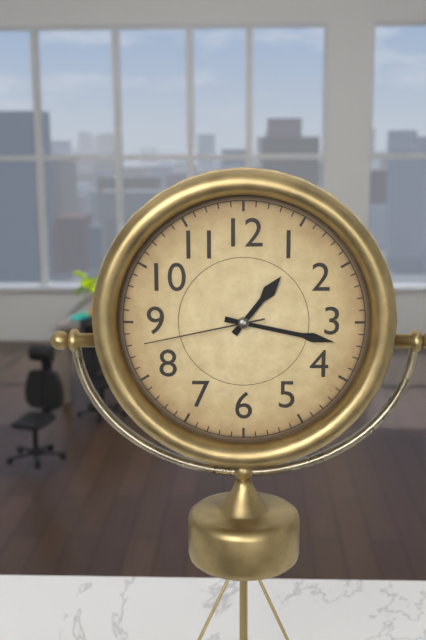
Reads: 1h17m43s
